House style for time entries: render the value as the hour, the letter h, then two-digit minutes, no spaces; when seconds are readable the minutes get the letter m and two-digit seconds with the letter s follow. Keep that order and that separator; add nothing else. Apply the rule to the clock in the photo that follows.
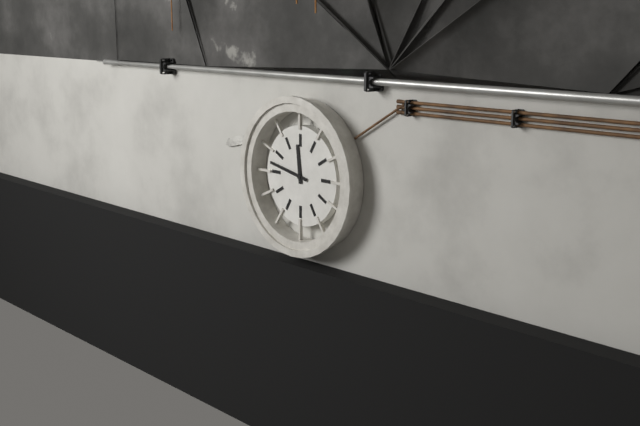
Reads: 11h47
